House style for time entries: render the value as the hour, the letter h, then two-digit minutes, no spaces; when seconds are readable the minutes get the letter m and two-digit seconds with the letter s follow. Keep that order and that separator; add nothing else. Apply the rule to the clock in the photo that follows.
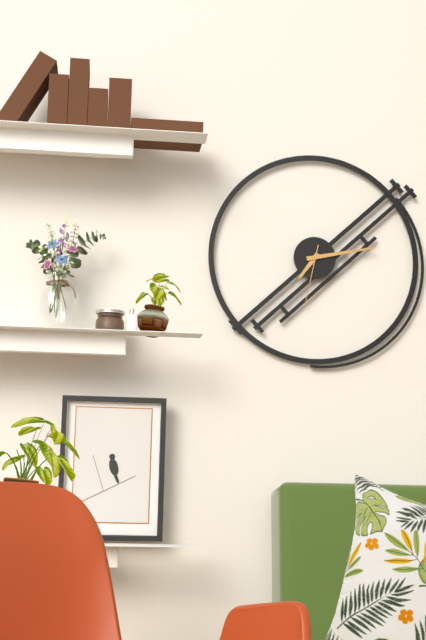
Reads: 7h13m32s
